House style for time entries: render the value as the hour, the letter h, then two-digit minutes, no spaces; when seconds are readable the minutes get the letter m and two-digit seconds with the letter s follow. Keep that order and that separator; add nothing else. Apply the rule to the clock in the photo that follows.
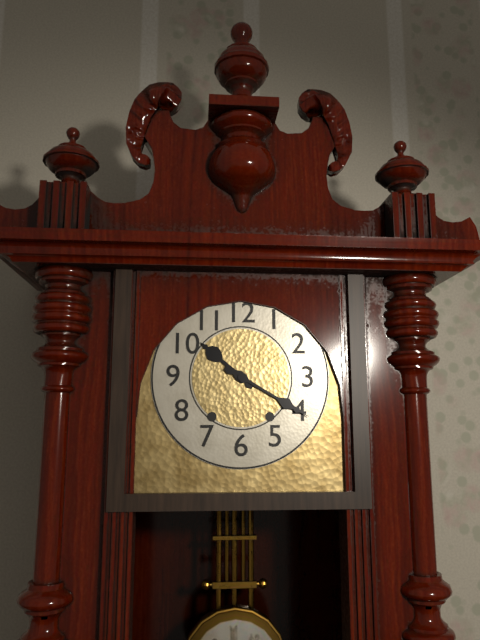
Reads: 10h20
